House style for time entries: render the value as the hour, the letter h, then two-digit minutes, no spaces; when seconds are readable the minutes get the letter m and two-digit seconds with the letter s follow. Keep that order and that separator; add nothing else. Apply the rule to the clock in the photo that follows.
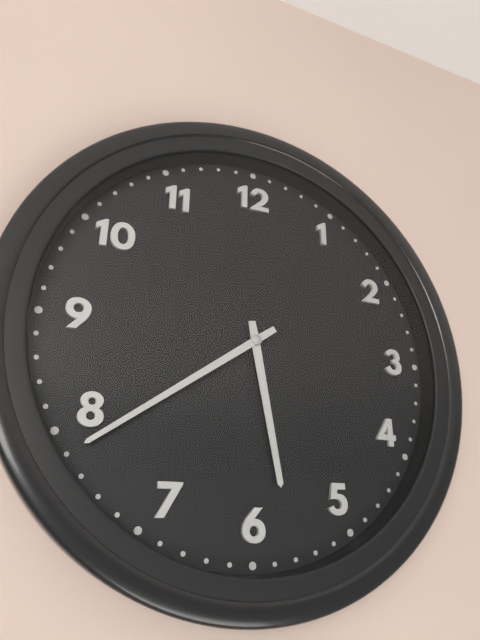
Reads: 5h39
